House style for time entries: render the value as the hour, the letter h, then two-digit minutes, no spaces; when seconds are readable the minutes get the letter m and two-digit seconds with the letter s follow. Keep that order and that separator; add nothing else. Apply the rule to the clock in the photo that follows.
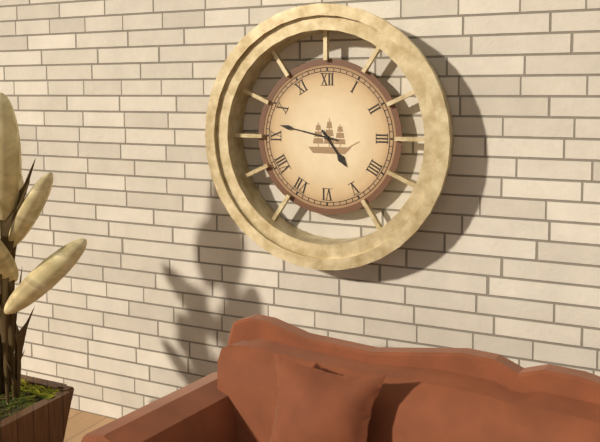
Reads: 4h47
